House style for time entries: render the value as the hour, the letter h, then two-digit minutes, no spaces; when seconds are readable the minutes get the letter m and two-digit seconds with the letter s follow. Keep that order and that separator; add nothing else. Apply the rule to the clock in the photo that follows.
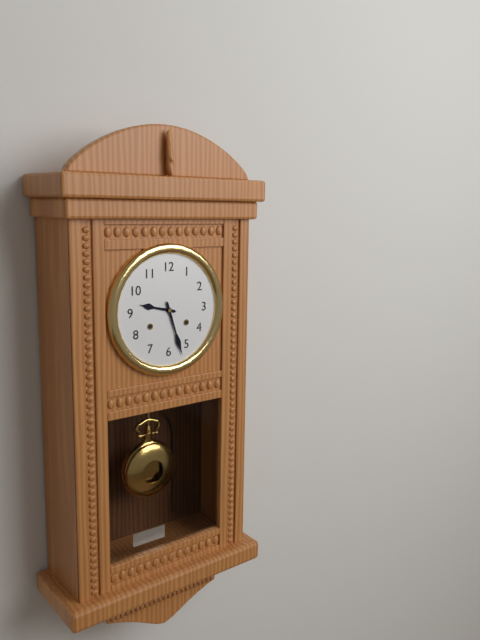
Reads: 9h27
